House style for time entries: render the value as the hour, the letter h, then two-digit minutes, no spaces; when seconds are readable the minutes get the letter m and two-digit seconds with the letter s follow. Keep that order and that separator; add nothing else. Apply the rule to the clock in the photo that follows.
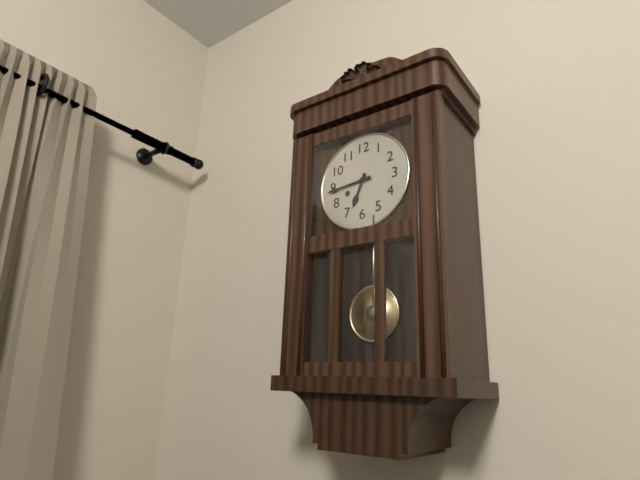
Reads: 6h44
